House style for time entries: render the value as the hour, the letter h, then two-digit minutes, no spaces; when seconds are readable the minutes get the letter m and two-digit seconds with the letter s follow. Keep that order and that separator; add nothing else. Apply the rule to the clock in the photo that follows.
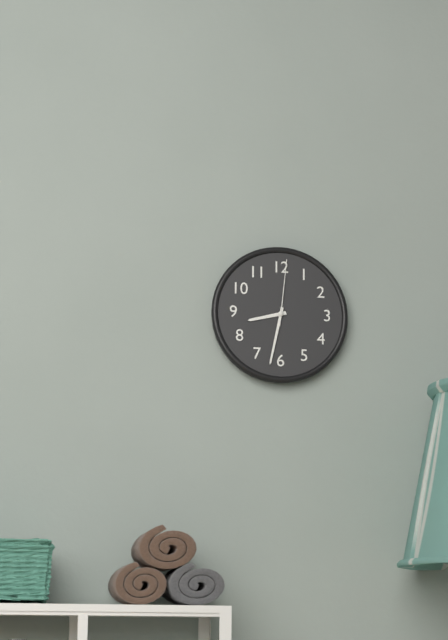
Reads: 8h32m01s
